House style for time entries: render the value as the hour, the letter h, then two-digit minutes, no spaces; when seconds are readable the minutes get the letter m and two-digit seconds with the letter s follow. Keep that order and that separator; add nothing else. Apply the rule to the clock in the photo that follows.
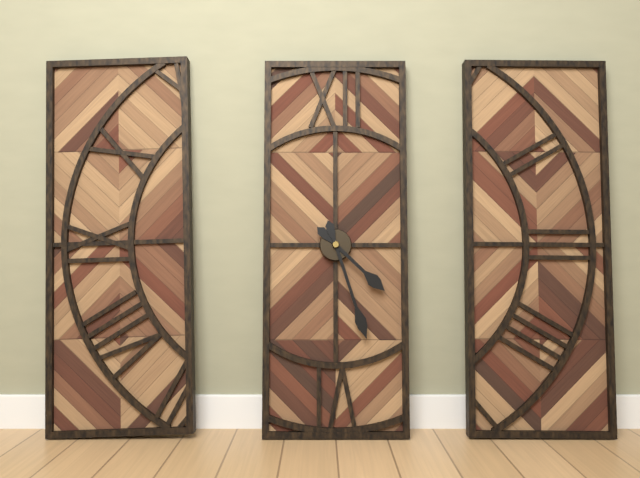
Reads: 4h27
